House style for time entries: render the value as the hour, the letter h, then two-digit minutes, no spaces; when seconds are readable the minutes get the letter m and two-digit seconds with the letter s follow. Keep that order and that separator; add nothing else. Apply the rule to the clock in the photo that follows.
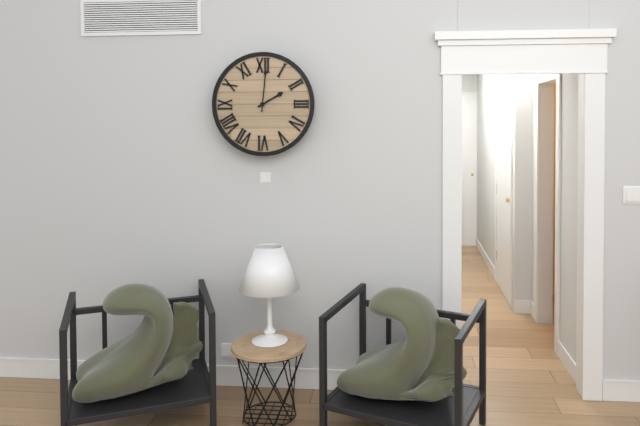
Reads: 2h01
